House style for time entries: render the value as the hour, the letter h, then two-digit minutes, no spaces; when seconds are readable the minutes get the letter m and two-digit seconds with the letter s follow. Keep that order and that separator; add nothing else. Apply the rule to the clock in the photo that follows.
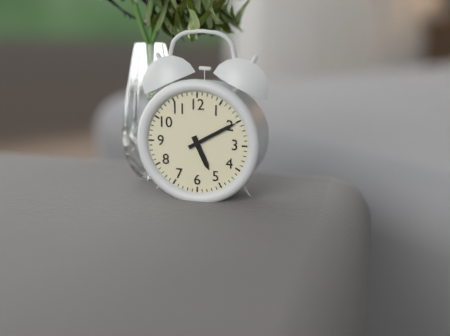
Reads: 5h10
